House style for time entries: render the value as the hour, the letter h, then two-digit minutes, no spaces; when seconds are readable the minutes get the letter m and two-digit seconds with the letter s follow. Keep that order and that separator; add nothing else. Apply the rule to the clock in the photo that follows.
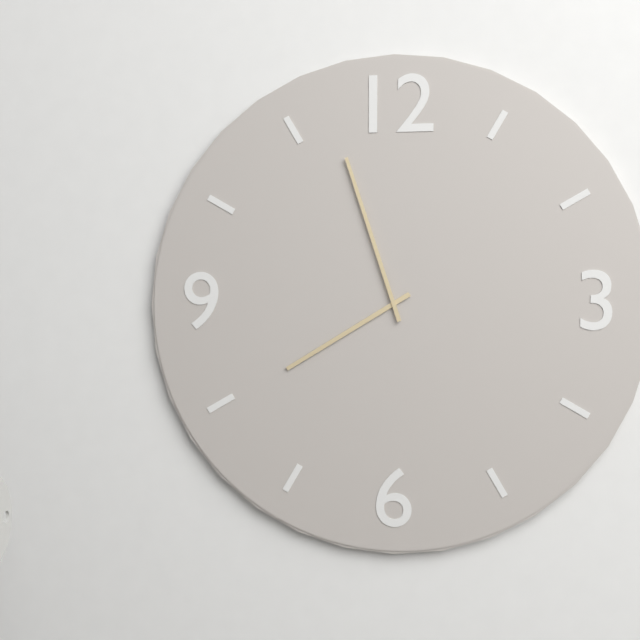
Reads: 7h57
